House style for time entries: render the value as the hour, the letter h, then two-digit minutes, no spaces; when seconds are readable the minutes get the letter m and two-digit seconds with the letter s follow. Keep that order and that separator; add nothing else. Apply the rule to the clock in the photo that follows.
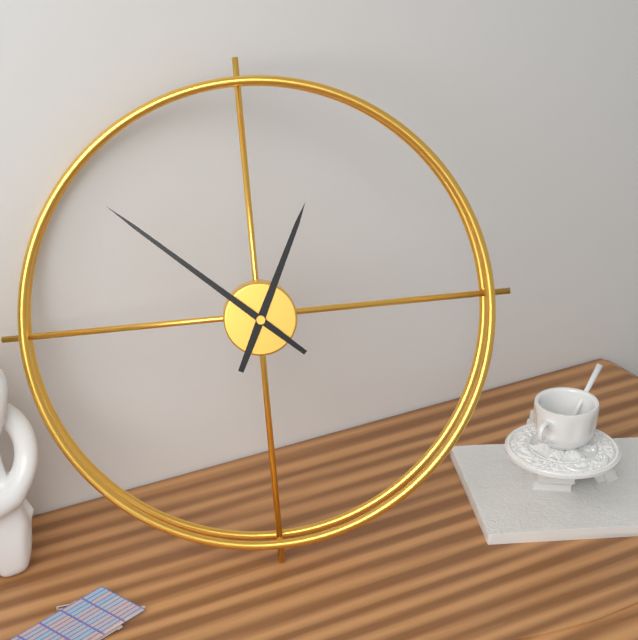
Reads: 12h52
